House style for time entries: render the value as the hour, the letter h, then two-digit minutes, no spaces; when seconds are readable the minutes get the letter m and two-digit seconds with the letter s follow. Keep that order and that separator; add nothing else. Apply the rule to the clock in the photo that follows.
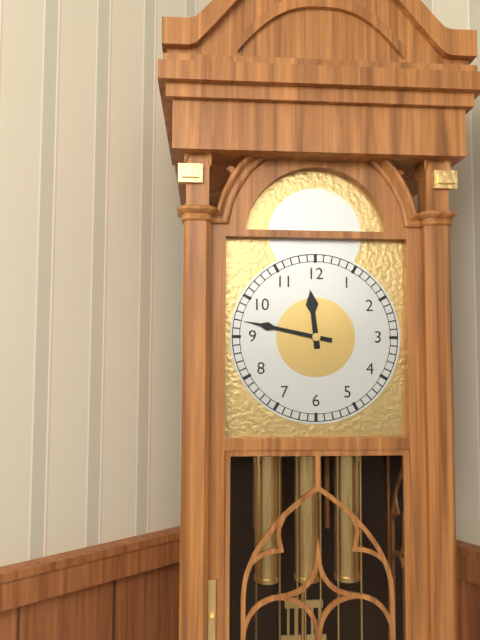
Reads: 11h47
